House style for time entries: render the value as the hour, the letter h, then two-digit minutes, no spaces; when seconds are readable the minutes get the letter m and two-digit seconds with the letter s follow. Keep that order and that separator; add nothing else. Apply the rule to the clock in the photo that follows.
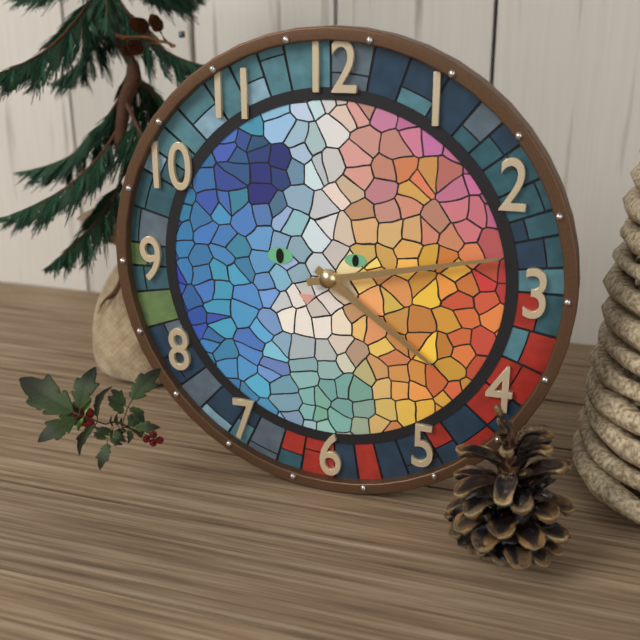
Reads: 4h13
